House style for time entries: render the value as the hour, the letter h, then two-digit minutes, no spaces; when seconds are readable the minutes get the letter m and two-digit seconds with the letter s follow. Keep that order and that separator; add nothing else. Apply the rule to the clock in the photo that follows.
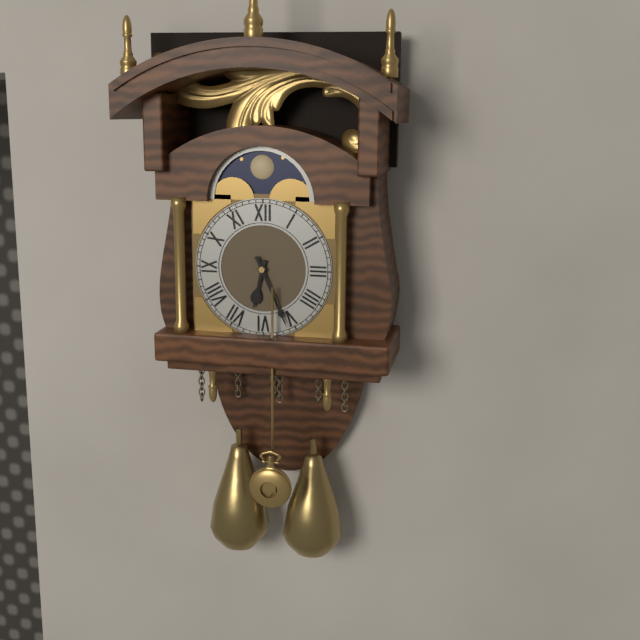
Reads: 6h26
